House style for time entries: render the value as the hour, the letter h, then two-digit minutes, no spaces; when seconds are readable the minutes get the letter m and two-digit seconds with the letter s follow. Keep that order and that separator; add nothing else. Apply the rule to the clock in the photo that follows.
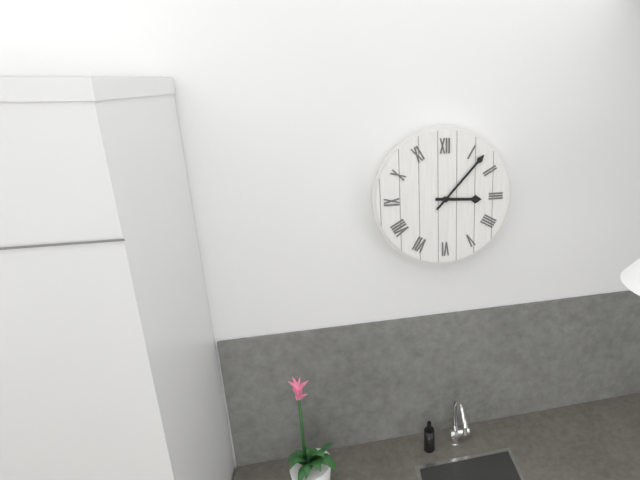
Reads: 3h07
